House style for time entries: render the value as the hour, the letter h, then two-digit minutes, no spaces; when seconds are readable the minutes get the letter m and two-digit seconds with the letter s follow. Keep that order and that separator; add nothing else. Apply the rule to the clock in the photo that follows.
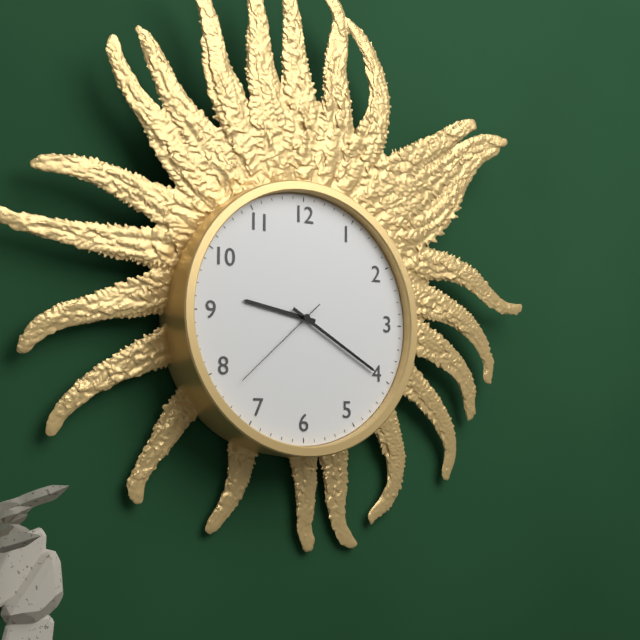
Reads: 9h20m38s
